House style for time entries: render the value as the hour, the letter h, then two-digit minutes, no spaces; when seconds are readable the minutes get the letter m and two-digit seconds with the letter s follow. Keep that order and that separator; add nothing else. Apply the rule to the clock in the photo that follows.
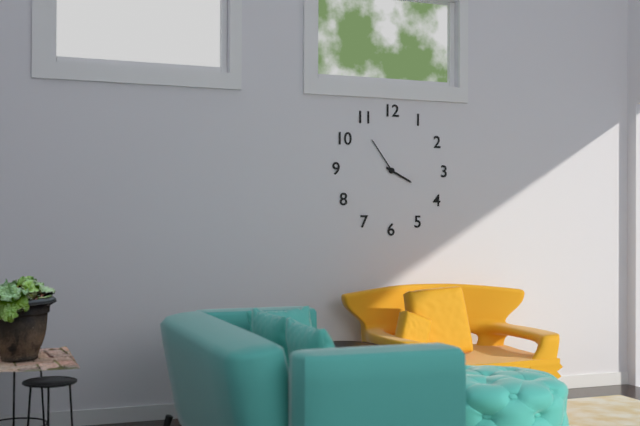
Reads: 3h54
